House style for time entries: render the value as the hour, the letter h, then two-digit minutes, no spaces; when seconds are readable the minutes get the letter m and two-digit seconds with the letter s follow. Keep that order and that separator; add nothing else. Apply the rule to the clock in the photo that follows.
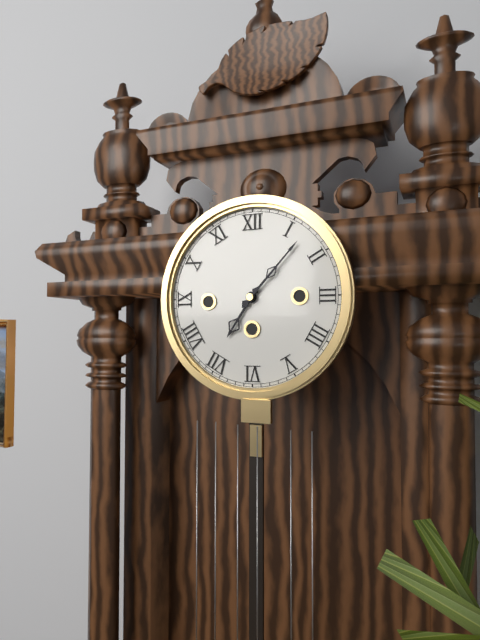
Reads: 7h07
